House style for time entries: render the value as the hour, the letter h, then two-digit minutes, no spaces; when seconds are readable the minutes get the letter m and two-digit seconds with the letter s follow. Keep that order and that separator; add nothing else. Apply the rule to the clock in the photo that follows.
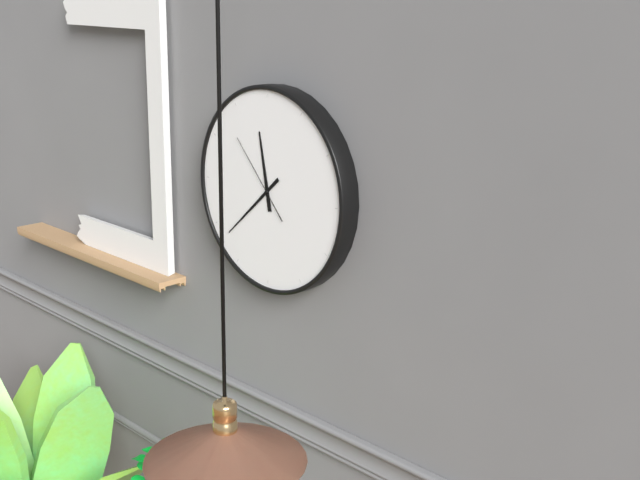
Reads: 11h38m53s
